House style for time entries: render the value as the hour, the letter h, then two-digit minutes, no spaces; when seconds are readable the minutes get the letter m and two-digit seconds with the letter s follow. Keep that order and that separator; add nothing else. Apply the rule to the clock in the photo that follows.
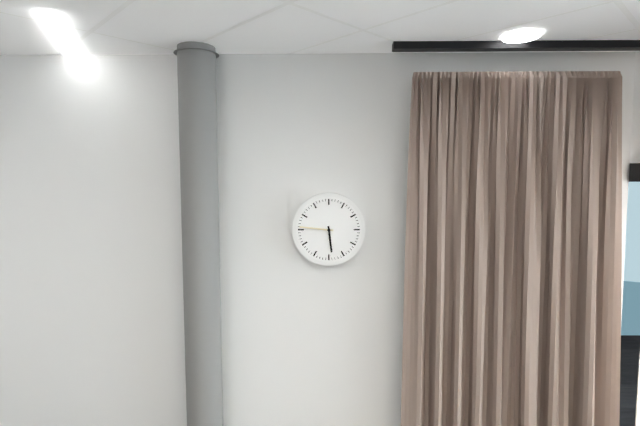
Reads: 5h46
